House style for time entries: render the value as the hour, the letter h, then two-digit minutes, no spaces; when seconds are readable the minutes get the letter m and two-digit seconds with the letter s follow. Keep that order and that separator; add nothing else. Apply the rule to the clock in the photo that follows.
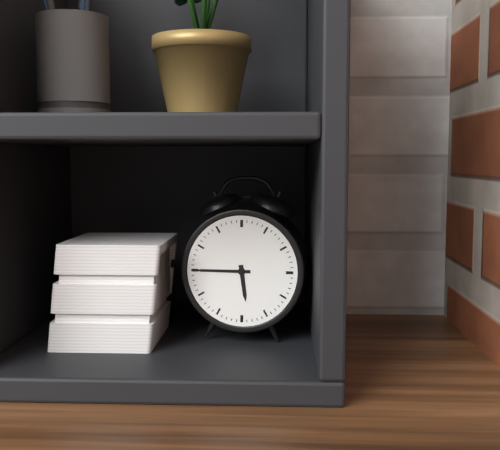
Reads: 5h45
